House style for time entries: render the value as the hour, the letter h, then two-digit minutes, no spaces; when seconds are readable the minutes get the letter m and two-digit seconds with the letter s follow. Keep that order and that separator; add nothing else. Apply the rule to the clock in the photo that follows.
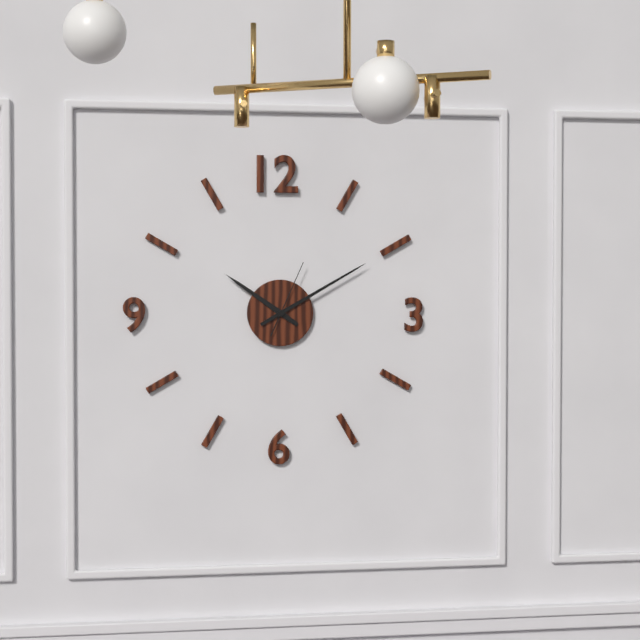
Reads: 10h10m04s
